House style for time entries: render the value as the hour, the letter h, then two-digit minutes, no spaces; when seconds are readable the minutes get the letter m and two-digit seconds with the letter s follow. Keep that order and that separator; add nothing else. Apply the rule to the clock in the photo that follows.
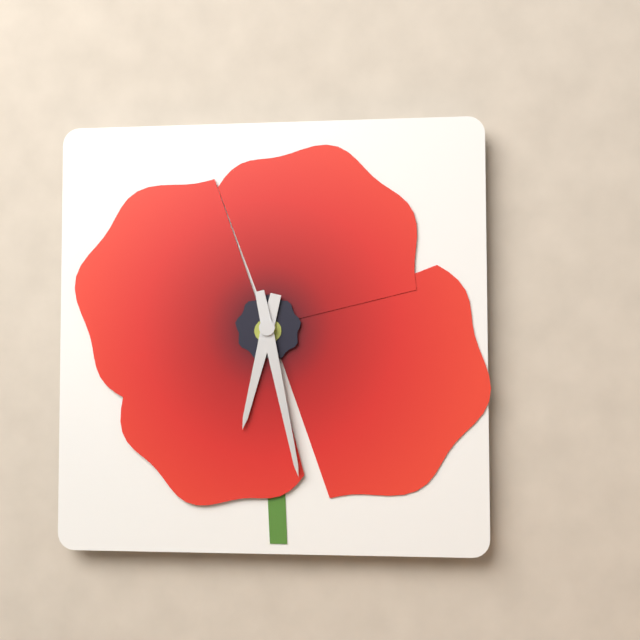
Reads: 6h28
